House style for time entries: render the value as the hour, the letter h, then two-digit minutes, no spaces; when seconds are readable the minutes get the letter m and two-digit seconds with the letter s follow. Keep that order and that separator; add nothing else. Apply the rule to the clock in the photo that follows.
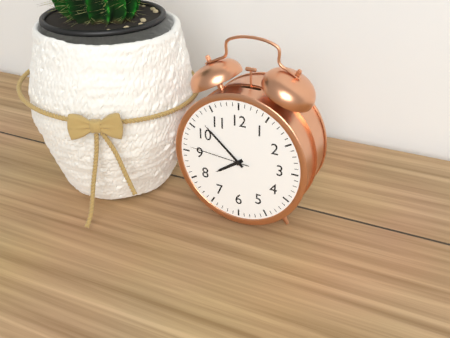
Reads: 7h52m46s
